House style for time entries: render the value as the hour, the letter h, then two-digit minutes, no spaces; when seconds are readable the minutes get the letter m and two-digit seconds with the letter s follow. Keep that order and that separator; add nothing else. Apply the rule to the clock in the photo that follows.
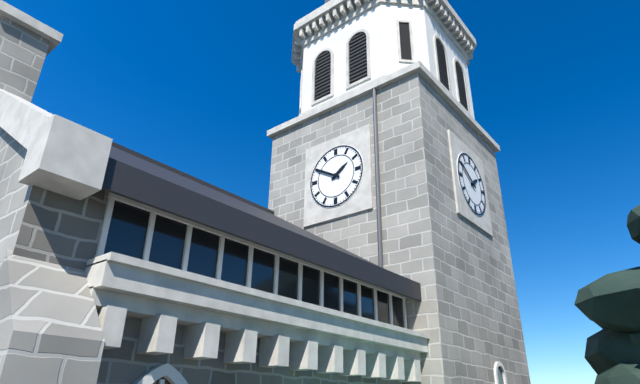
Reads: 1h50
